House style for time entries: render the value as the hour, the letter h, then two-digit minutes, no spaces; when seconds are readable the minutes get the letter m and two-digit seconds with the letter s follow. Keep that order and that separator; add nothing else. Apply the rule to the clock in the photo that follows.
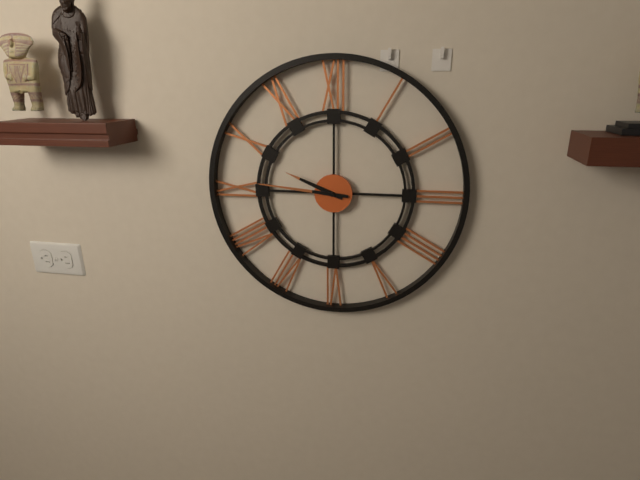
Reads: 9h46
